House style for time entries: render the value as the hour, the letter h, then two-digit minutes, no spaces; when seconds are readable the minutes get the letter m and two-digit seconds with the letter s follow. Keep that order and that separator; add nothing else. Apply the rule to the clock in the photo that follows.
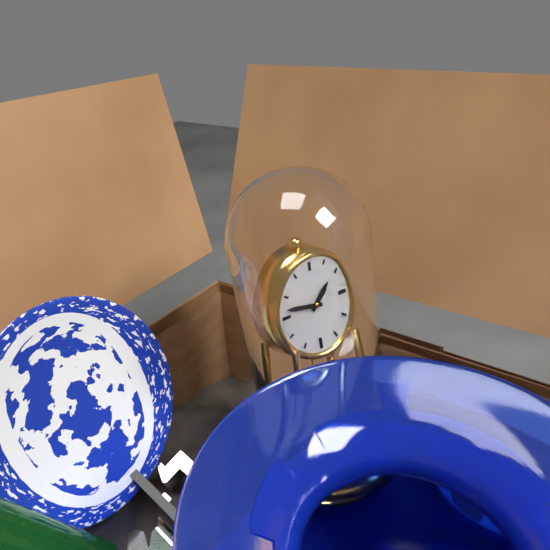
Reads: 1h47
